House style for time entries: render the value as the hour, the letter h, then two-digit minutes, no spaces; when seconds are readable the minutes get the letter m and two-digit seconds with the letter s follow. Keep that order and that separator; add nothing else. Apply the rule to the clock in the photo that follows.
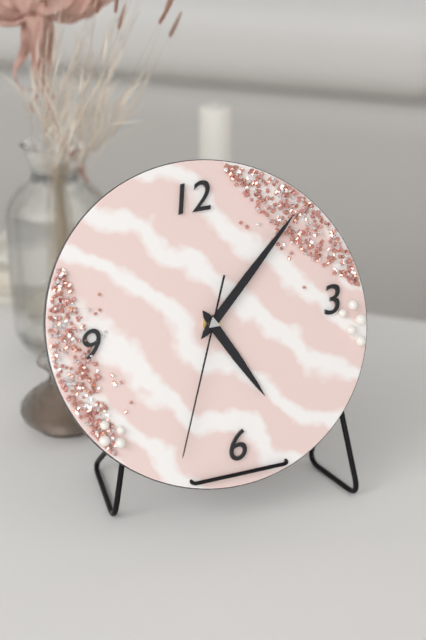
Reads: 5h08m34s
